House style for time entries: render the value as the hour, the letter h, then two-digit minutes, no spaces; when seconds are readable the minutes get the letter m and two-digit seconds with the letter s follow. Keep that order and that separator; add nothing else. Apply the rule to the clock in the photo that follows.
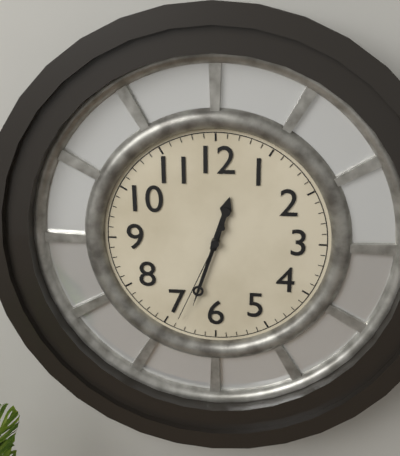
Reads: 12h33m34s
